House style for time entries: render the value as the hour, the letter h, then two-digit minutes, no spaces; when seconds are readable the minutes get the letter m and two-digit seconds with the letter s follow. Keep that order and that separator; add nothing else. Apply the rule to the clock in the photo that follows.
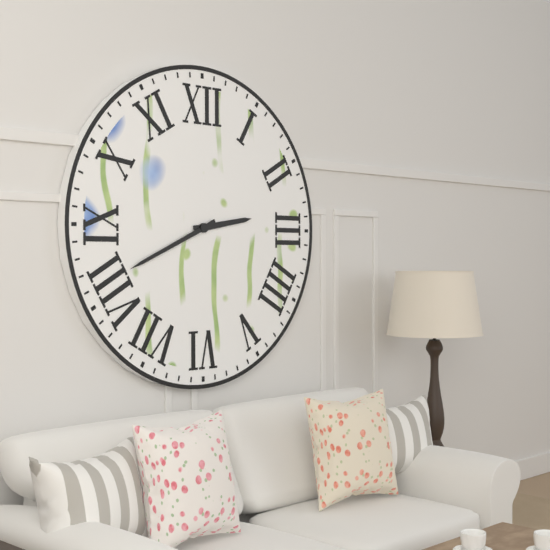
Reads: 2h41
